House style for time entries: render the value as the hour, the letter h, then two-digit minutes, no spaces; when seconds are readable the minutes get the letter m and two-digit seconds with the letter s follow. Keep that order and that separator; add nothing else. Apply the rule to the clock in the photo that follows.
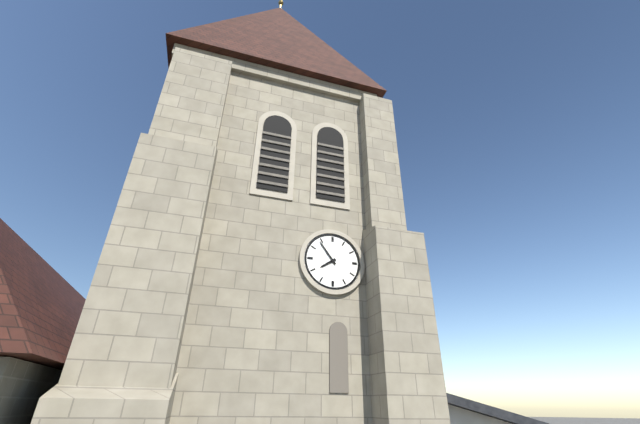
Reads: 7h54
